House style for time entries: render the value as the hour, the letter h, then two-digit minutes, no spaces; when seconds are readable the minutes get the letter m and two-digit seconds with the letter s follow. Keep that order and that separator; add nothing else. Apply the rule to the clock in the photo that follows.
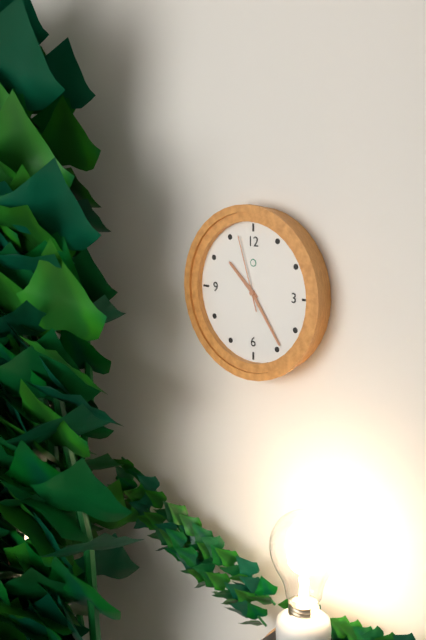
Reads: 10h24m57s
